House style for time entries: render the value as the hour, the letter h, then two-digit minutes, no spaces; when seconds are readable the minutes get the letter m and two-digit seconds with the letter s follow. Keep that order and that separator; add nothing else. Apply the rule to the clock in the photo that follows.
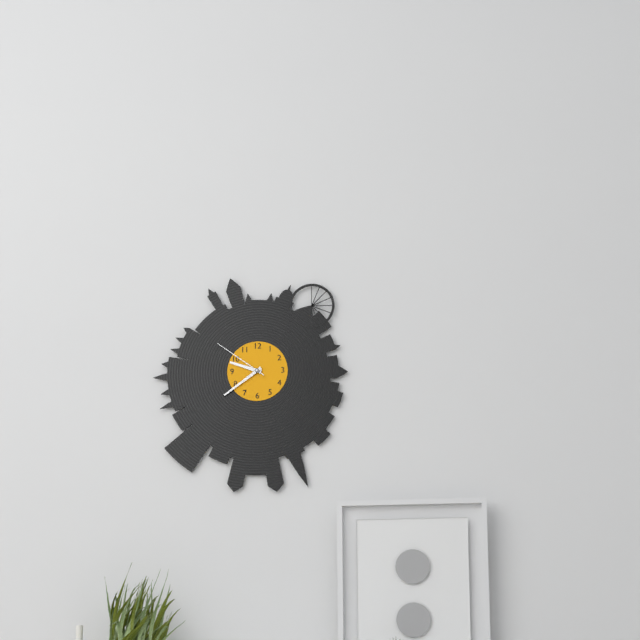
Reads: 9h39m51s
